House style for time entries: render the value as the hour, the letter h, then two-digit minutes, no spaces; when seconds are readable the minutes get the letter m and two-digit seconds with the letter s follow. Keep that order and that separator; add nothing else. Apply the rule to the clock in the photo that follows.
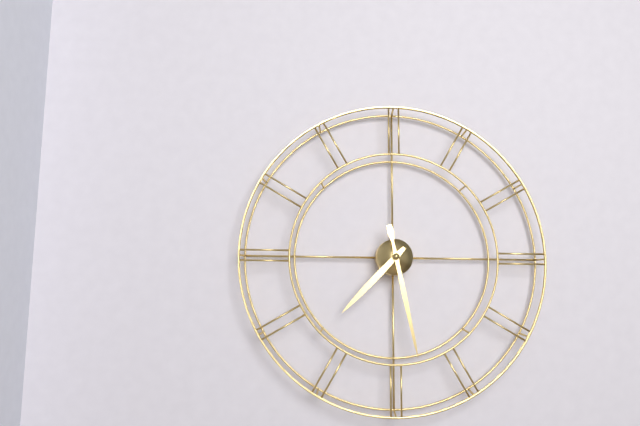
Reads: 7h28
